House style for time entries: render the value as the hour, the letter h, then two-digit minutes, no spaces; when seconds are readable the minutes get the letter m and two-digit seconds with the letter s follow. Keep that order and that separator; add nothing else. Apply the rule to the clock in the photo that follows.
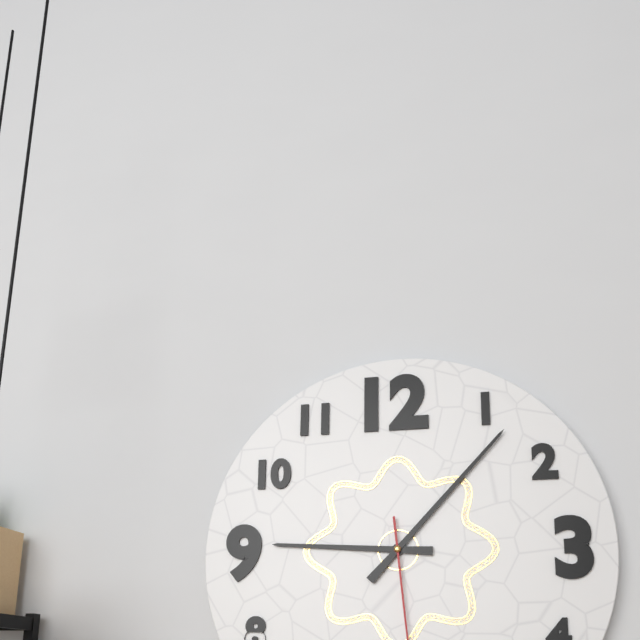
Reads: 9h07
